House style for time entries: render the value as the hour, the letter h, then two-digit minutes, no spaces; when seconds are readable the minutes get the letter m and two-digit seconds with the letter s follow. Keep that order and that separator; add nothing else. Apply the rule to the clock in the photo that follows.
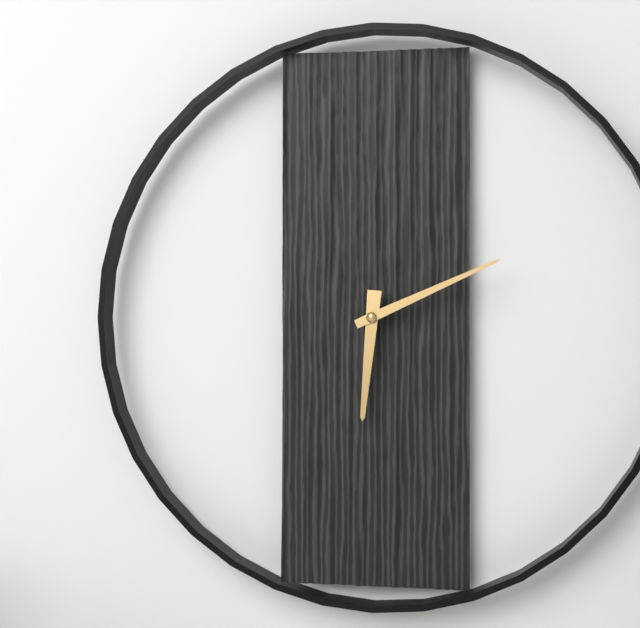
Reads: 6h11
